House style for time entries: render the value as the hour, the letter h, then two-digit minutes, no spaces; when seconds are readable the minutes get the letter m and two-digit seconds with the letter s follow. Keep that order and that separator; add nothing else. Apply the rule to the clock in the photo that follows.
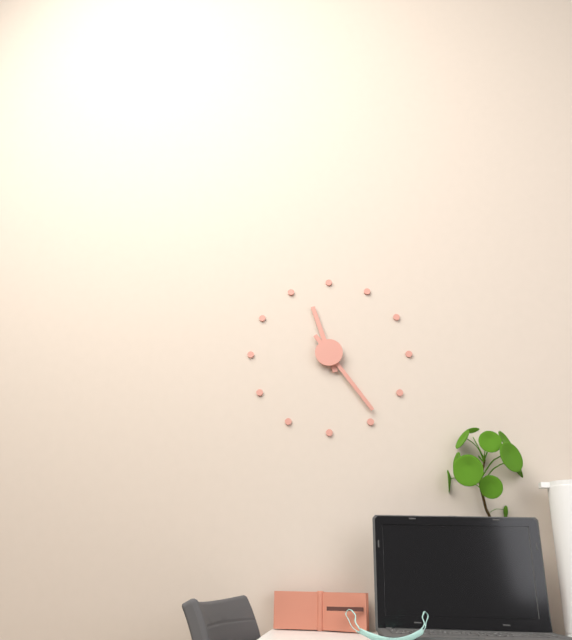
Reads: 11h24
